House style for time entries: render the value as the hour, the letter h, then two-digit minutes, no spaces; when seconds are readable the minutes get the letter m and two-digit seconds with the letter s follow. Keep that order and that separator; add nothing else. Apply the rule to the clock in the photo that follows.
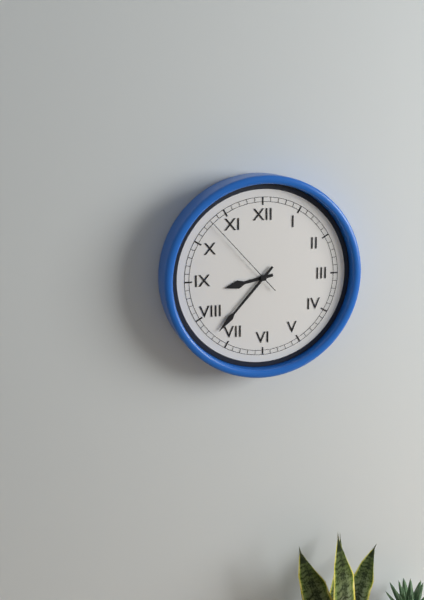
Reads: 8h37m53s
